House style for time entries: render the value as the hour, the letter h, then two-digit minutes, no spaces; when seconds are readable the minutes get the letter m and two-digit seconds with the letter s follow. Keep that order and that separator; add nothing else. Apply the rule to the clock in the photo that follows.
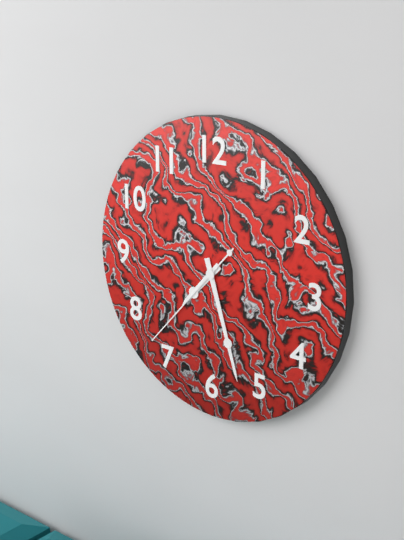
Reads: 7h27m37s
